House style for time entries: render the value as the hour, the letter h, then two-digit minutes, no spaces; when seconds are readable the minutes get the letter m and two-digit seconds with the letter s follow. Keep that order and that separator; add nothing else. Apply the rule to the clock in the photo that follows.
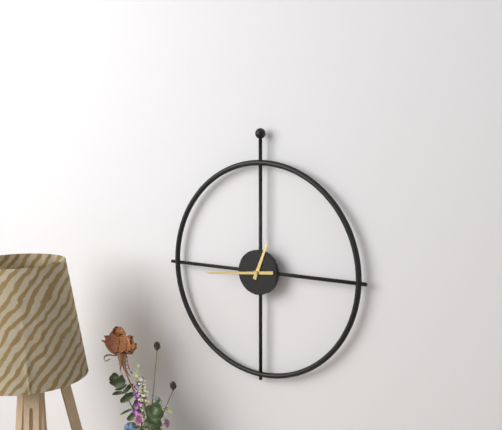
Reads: 12h44
